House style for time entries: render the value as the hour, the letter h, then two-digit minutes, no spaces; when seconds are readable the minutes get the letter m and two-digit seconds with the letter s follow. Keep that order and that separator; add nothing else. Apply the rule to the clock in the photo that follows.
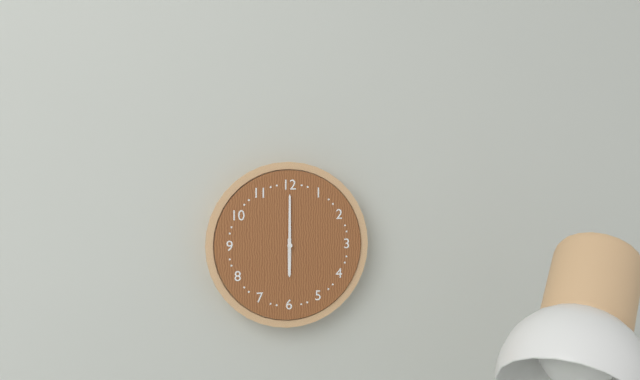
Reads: 6h00
